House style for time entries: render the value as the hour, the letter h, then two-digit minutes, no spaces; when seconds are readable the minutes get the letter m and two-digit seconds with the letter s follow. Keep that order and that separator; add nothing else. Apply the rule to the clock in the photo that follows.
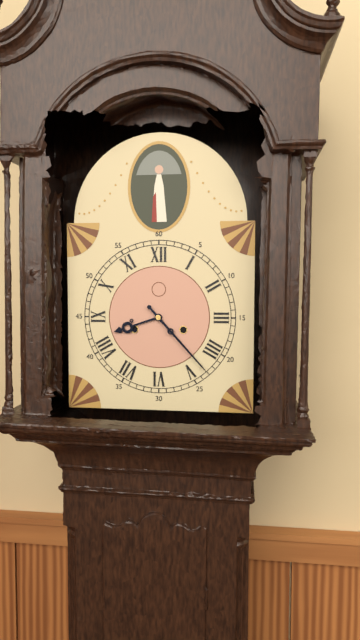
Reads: 8h23
